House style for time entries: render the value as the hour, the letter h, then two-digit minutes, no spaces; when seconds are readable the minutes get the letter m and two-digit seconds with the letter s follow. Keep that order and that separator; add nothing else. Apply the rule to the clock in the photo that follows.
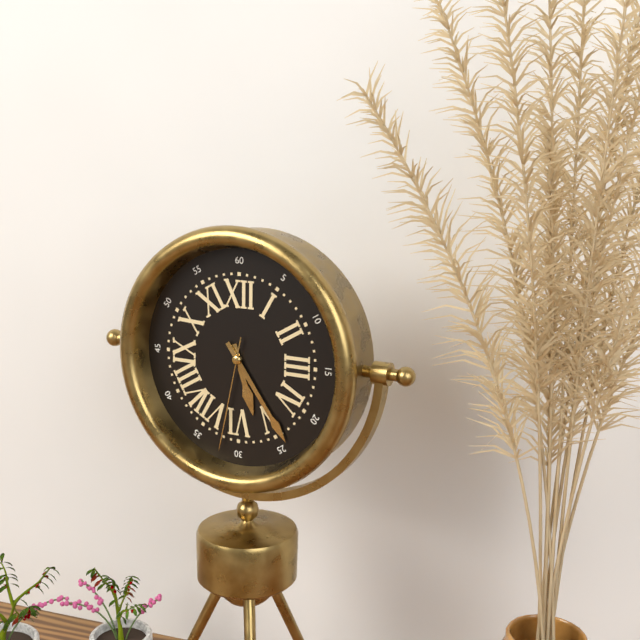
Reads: 5h24m32s
